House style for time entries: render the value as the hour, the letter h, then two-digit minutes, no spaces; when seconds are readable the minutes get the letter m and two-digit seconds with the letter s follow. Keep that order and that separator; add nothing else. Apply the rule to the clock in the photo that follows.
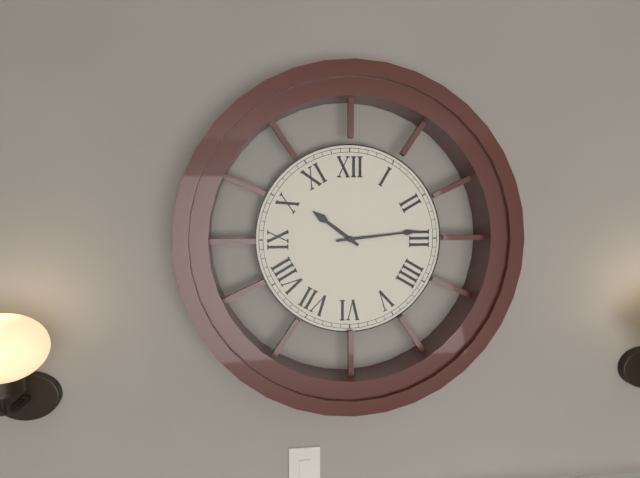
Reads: 10h14
